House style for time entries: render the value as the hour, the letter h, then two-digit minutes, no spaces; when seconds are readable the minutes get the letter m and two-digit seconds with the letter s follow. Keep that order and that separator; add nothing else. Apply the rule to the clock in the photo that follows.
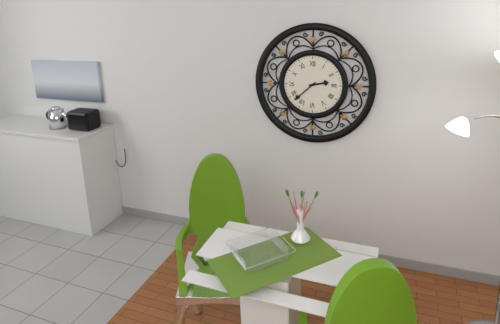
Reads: 2h38
